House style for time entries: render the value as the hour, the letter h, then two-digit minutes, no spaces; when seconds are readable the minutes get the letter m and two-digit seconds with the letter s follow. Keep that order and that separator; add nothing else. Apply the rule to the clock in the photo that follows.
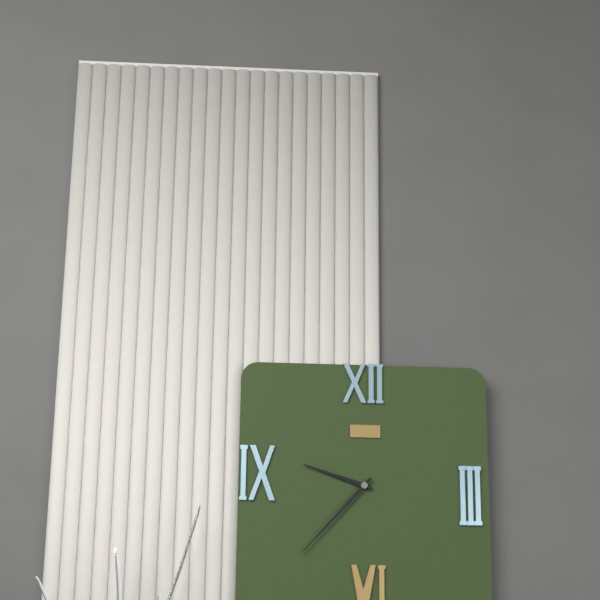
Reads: 9h37
